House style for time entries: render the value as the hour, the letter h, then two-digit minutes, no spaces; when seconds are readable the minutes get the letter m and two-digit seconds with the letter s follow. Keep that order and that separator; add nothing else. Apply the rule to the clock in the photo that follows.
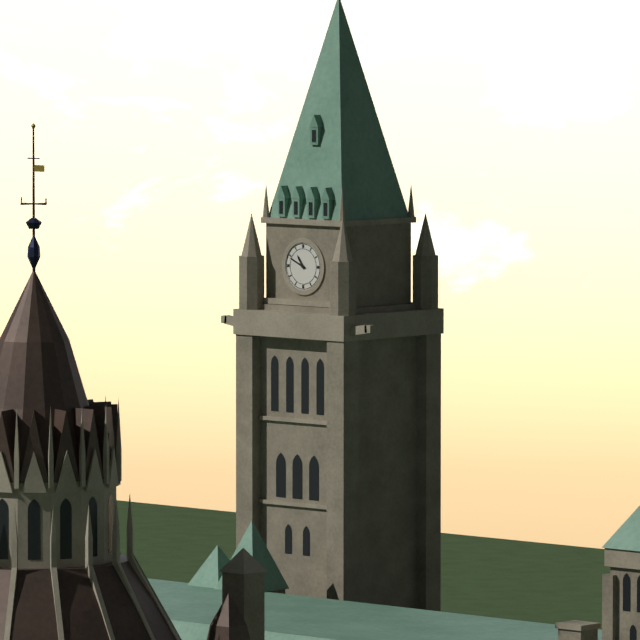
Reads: 10h49
